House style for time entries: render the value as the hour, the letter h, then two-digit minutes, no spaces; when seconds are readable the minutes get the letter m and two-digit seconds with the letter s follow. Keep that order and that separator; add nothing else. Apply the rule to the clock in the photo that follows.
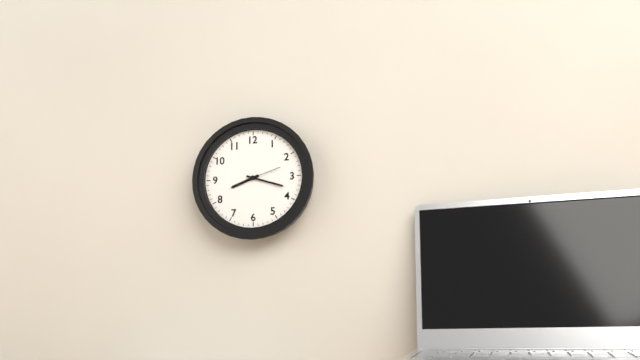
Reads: 8h18
